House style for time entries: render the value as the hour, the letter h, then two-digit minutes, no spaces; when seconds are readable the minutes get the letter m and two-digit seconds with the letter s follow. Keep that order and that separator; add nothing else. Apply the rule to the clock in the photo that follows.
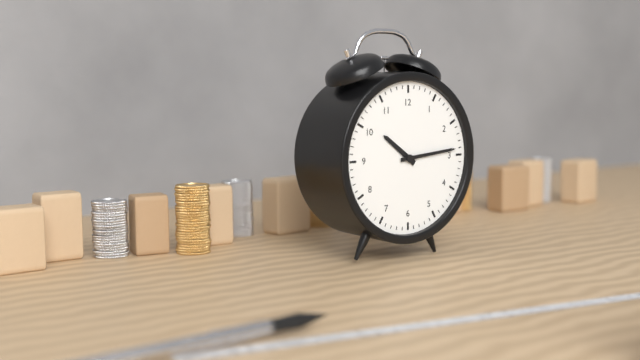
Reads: 10h14
